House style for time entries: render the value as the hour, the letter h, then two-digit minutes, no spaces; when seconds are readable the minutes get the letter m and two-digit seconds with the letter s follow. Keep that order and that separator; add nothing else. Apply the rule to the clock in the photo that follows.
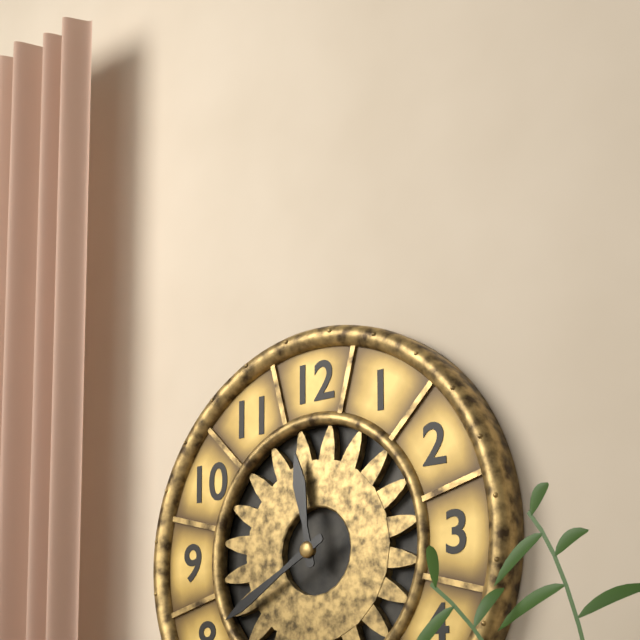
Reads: 11h40
